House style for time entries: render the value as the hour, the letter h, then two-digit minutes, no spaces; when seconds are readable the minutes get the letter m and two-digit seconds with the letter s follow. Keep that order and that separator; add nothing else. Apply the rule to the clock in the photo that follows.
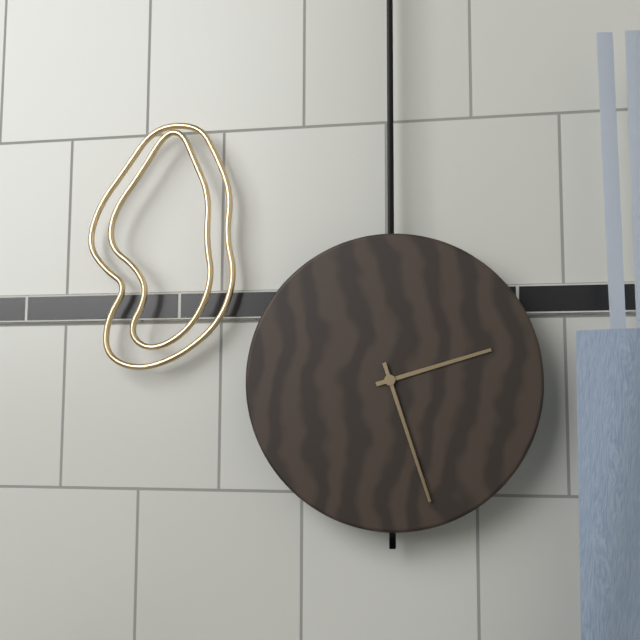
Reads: 2h27
